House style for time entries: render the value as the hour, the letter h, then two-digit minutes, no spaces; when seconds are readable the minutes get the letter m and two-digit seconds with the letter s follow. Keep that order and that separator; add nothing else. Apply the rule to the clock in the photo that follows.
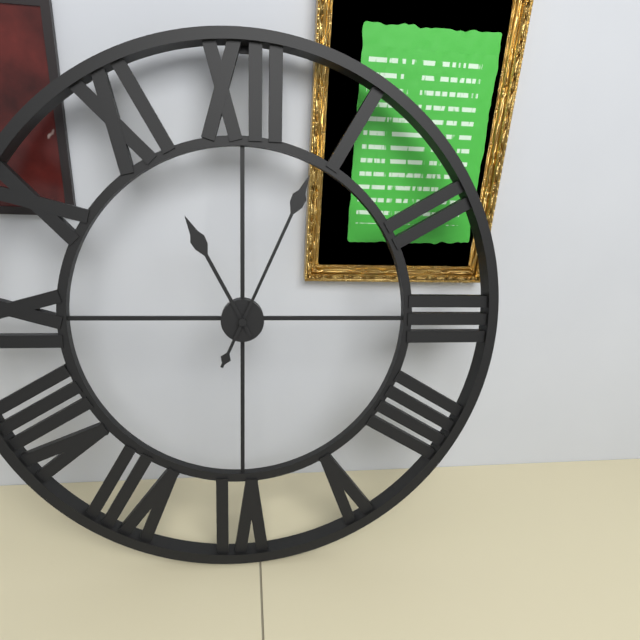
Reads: 11h04
